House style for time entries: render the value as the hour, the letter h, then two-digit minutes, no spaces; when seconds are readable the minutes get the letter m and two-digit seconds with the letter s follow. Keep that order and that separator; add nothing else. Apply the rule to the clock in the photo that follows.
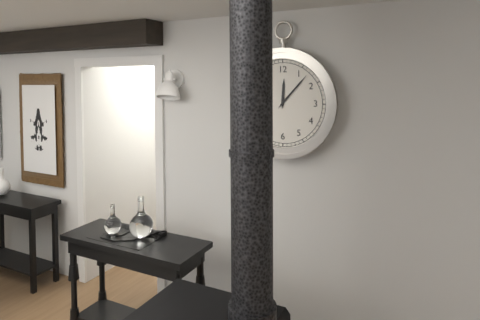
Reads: 12h07
